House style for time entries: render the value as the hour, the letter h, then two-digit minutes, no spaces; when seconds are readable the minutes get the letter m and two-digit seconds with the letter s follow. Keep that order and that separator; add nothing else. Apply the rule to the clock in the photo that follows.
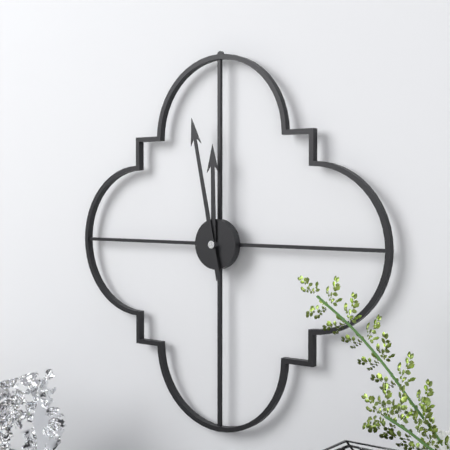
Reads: 11h58
